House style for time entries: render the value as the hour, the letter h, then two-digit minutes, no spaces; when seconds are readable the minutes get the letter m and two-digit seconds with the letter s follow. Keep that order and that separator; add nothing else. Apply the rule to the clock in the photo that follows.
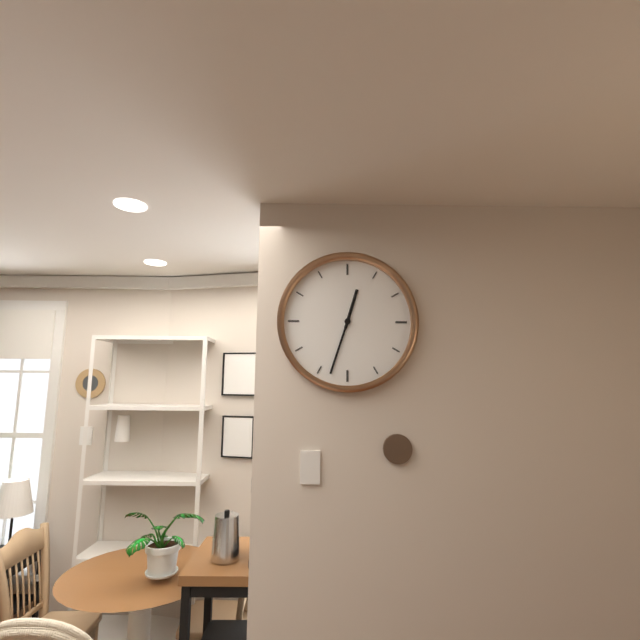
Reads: 12h33
